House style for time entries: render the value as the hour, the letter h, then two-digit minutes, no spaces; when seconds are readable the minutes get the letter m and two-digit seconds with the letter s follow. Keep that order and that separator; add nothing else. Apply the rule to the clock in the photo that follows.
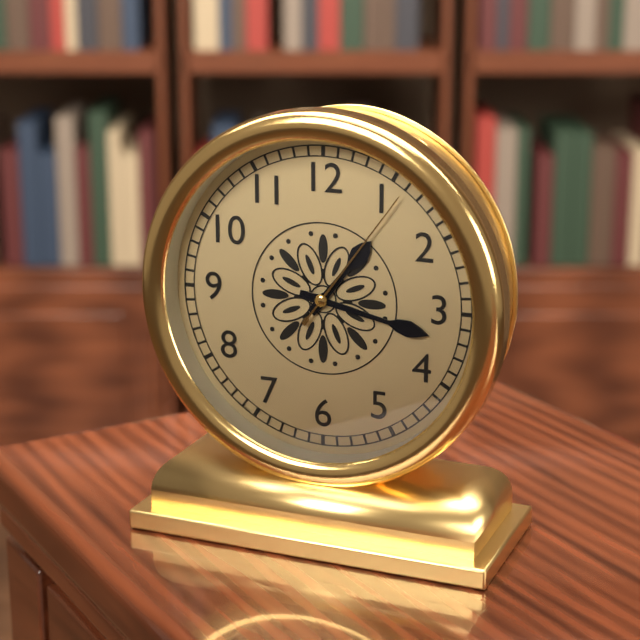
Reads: 1h17m06s
